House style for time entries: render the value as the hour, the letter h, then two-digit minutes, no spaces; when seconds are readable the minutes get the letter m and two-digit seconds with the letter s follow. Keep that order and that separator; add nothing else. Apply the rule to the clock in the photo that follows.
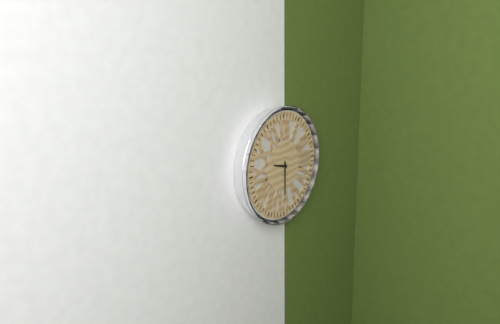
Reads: 9h30
